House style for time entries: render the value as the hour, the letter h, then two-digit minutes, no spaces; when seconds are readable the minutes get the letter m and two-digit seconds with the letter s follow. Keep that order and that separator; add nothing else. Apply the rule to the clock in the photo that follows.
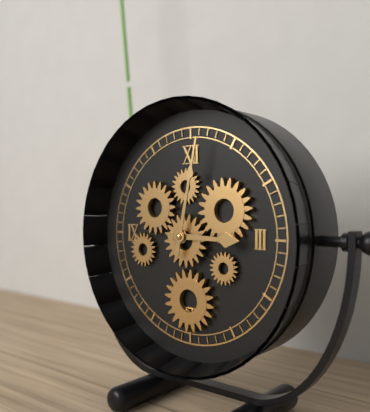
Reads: 3h02
